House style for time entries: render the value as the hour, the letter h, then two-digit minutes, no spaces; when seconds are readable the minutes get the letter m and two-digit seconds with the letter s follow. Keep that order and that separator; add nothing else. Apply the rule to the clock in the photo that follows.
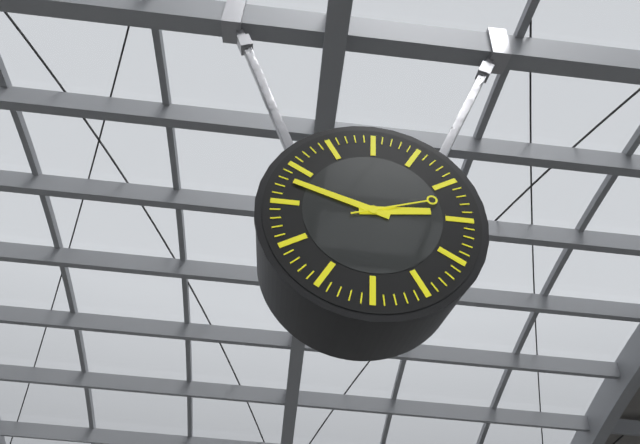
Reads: 2h48m12s
